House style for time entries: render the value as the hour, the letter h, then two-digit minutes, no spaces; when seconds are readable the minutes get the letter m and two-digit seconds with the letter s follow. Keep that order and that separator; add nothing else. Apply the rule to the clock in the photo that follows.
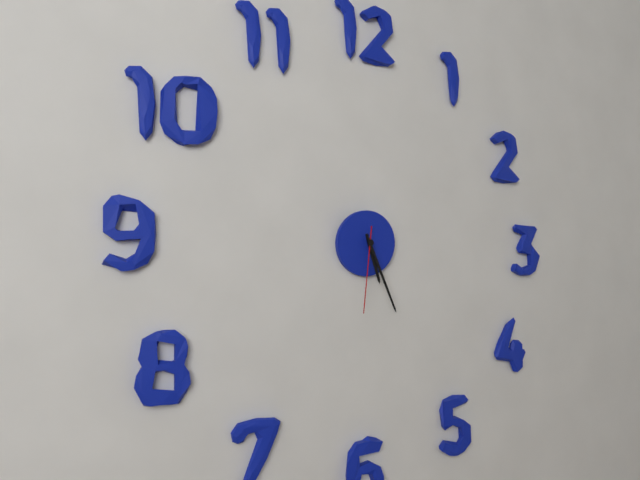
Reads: 5h26m31s
